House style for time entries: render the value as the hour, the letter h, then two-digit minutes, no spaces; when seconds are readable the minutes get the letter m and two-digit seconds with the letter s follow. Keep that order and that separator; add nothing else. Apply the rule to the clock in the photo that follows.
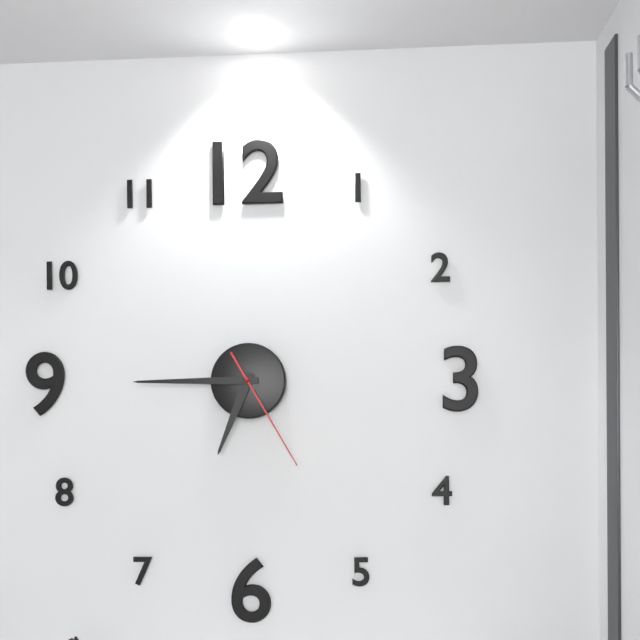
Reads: 6h45m25s
